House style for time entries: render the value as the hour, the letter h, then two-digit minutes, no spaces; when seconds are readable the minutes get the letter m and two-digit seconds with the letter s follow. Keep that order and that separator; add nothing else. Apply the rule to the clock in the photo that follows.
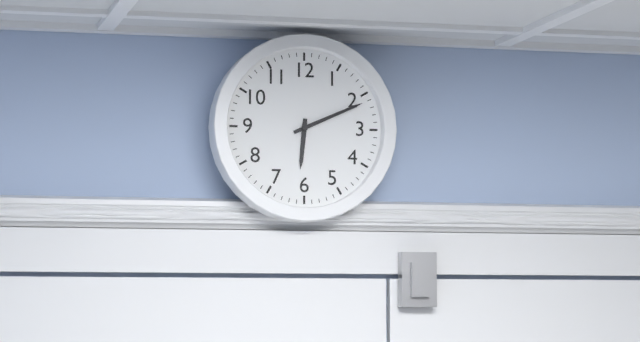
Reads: 6h11
